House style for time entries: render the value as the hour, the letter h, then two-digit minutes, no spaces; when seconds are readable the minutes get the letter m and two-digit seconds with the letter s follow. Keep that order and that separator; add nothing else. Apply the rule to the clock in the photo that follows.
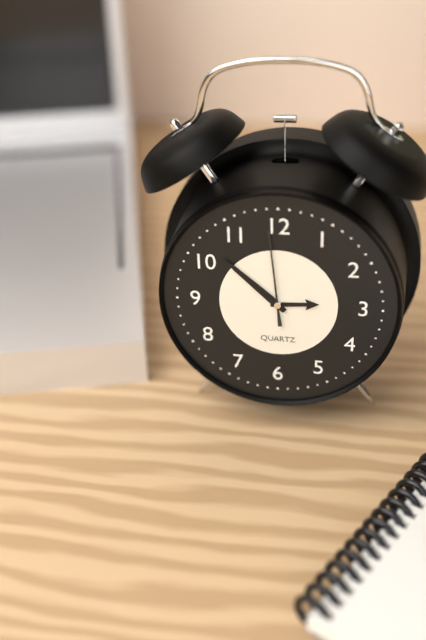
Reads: 2h52m59s
